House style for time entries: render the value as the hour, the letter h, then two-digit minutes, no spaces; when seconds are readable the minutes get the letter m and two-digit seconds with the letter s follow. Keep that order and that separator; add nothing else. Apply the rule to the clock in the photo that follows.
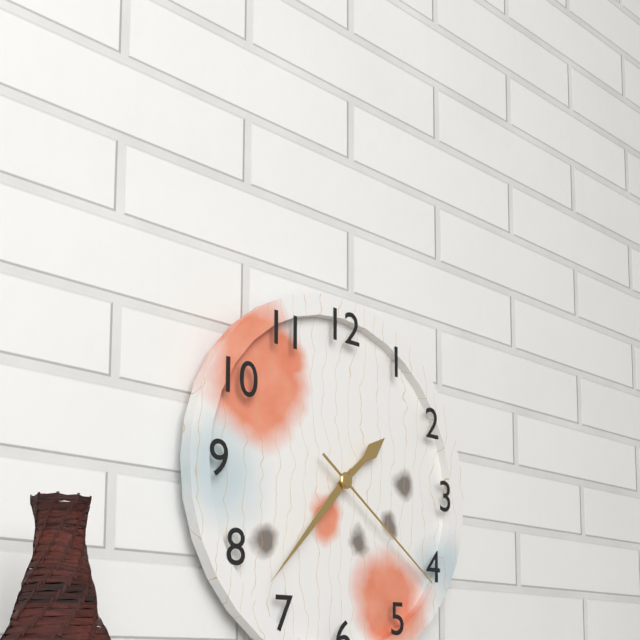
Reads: 1h37m21s
